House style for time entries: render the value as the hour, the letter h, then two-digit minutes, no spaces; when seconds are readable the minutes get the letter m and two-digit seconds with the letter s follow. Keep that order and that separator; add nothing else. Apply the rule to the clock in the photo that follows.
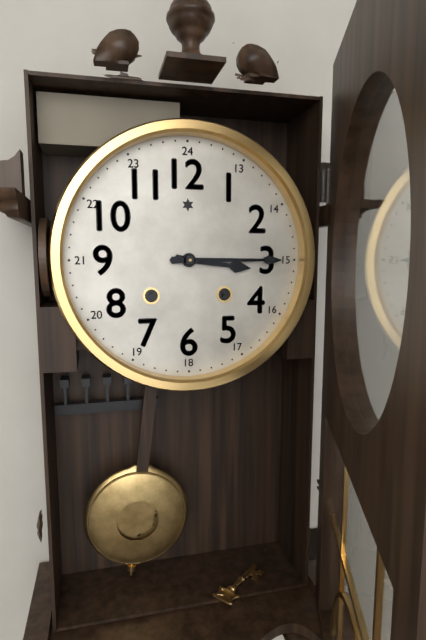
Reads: 3h15
